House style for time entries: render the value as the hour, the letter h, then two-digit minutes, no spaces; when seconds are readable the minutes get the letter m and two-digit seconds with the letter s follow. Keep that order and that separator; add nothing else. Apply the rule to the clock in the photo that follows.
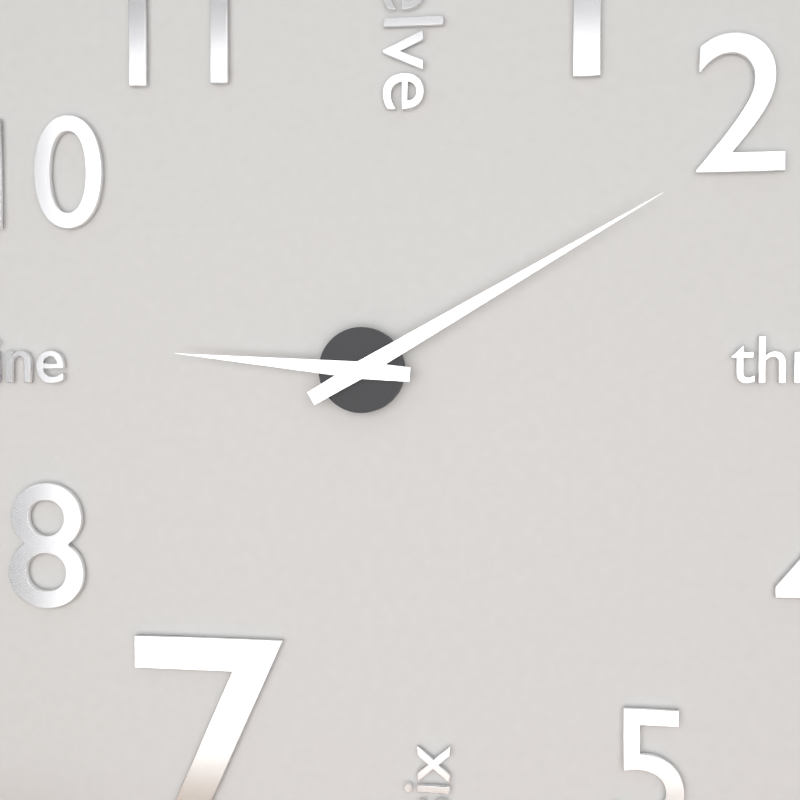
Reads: 9h10
